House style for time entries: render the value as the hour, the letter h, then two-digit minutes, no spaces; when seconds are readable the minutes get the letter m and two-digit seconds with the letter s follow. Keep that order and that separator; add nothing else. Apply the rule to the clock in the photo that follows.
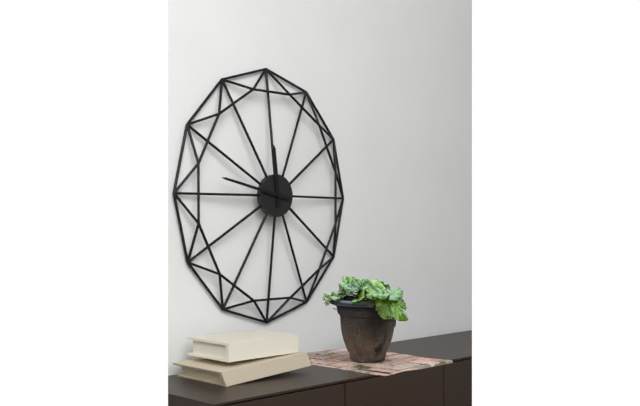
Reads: 11h47
